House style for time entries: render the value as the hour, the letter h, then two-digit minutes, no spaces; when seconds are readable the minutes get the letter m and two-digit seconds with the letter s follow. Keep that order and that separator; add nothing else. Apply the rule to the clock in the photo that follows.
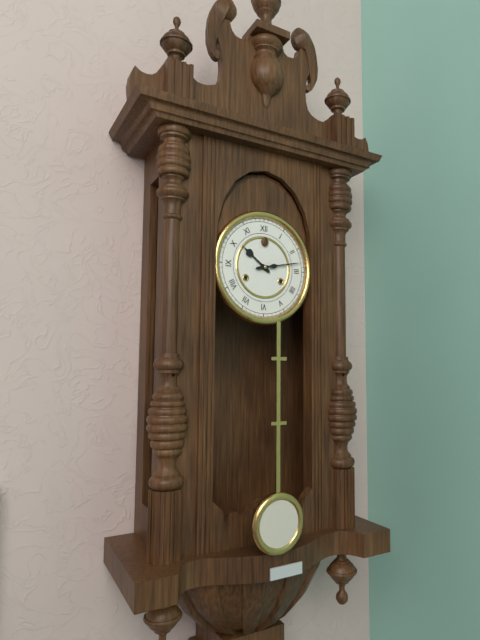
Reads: 10h13
